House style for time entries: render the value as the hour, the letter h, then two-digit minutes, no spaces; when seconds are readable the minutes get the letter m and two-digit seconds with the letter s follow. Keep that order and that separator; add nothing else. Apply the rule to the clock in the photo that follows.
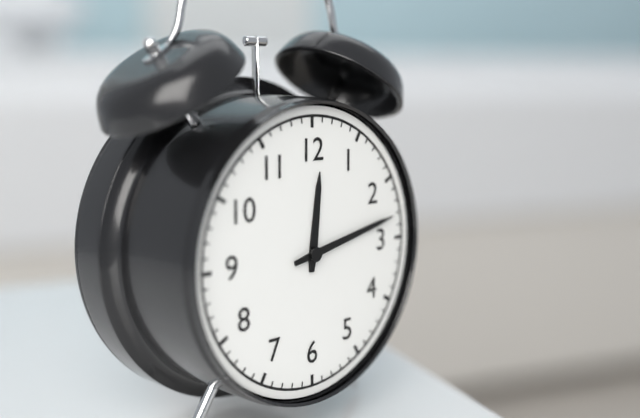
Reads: 12h13
